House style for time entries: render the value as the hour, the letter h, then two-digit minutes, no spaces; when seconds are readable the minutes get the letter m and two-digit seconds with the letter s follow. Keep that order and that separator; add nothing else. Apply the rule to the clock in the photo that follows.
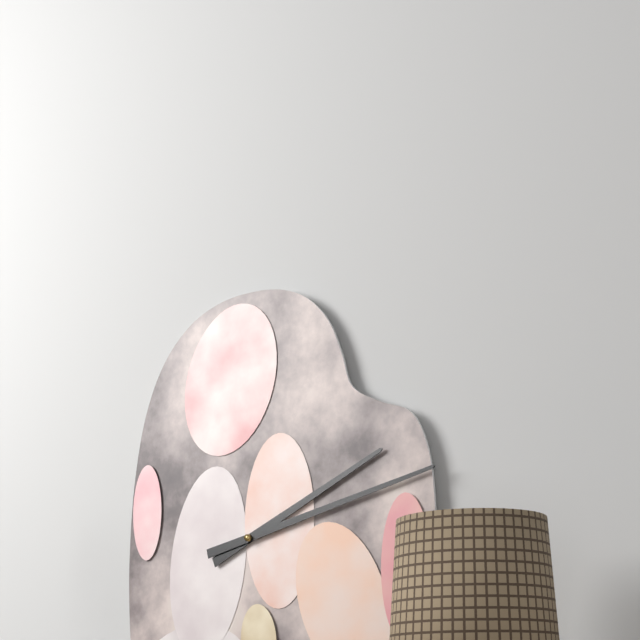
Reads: 2h13
